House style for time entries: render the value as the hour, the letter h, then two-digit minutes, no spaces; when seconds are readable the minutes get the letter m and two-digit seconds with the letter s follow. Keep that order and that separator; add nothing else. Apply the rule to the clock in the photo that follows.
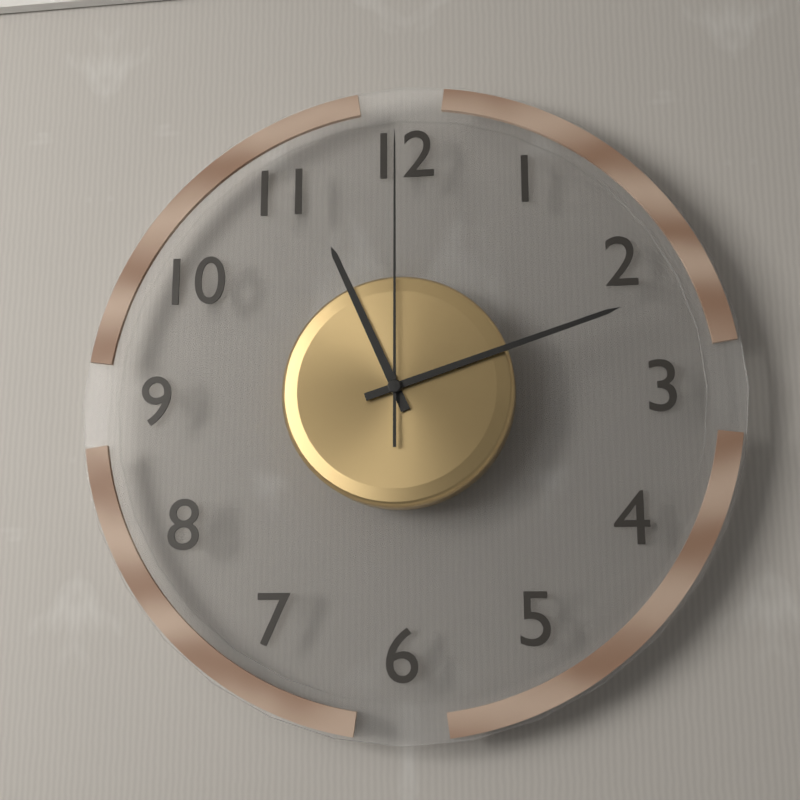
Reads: 11h12m00s
